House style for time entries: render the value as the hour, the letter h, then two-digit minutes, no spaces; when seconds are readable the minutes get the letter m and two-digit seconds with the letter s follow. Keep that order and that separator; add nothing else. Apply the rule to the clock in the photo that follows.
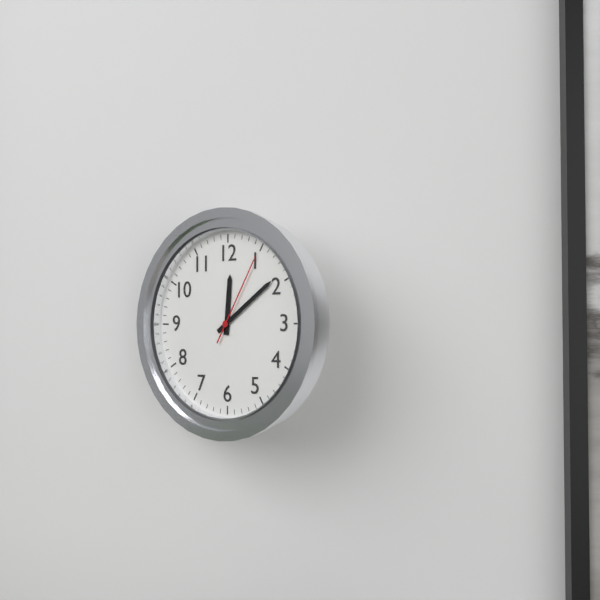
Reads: 12h09m05s
